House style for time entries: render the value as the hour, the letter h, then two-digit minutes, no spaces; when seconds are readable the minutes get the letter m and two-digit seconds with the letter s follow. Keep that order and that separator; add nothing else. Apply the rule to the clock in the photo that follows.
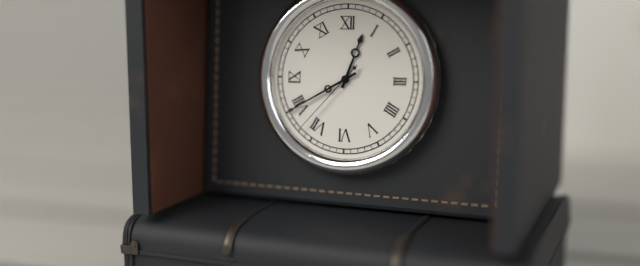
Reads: 12h40m37s
